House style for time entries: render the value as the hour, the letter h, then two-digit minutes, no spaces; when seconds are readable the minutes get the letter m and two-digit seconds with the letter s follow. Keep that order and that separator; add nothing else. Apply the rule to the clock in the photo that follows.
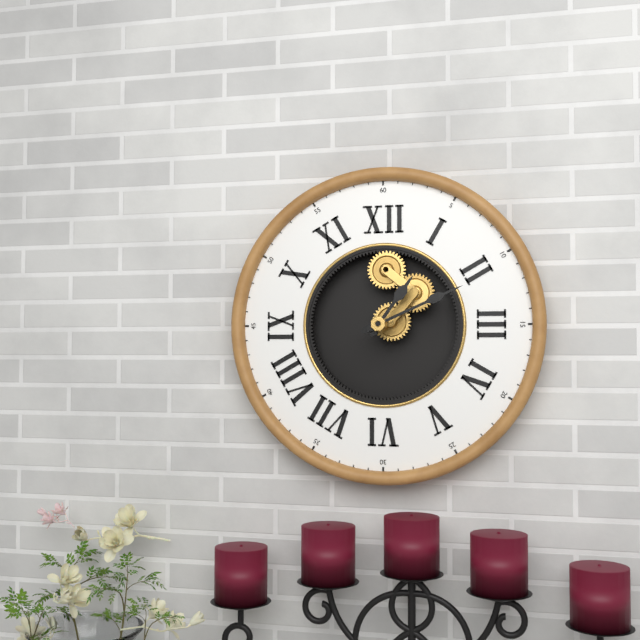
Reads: 1h11
